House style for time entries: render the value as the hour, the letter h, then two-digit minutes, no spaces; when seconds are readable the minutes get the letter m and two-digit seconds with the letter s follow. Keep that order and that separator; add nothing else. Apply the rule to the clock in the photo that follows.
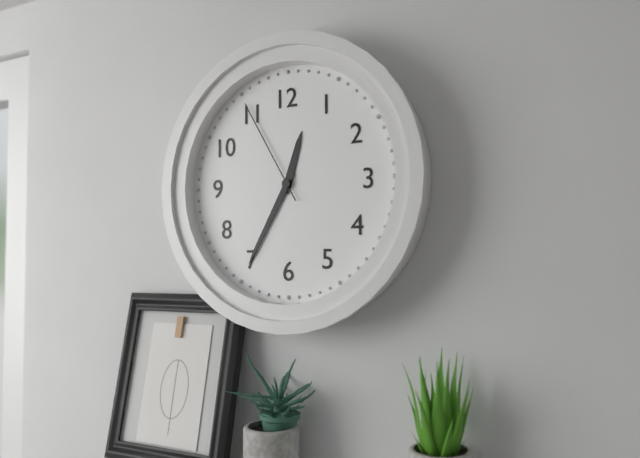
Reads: 12h35m55s
